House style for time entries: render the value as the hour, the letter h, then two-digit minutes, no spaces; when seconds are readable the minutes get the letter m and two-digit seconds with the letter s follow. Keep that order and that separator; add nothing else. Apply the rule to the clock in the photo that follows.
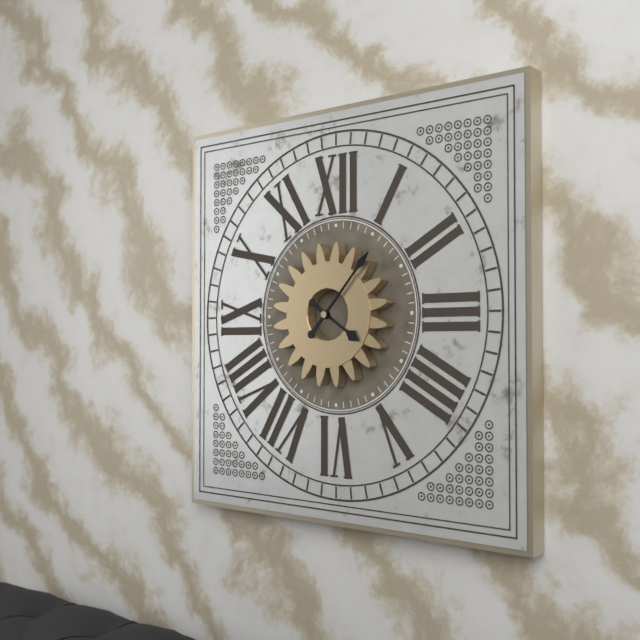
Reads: 4h07
